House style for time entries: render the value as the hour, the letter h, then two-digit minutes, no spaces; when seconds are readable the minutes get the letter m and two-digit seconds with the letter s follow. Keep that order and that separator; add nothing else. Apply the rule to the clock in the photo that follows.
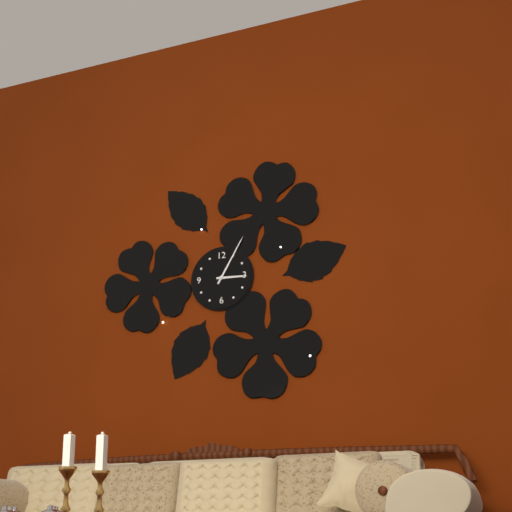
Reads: 3h05
